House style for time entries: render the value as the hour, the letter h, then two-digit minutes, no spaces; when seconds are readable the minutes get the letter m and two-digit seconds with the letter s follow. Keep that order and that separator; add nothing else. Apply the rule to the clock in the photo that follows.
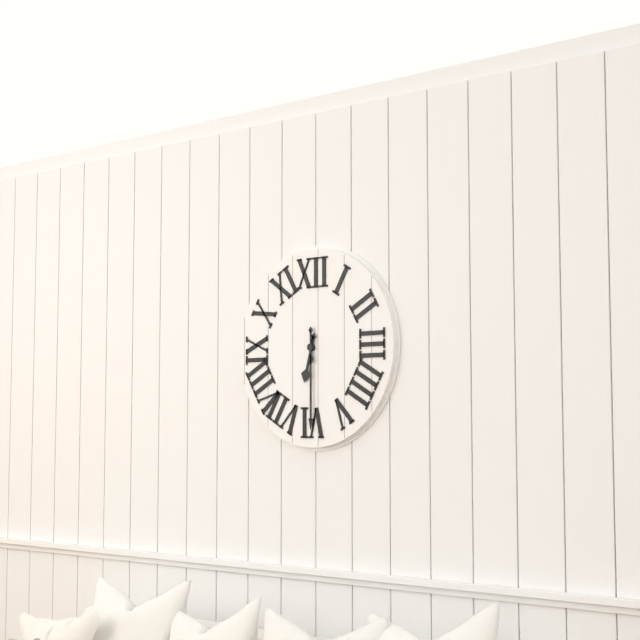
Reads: 6h30
